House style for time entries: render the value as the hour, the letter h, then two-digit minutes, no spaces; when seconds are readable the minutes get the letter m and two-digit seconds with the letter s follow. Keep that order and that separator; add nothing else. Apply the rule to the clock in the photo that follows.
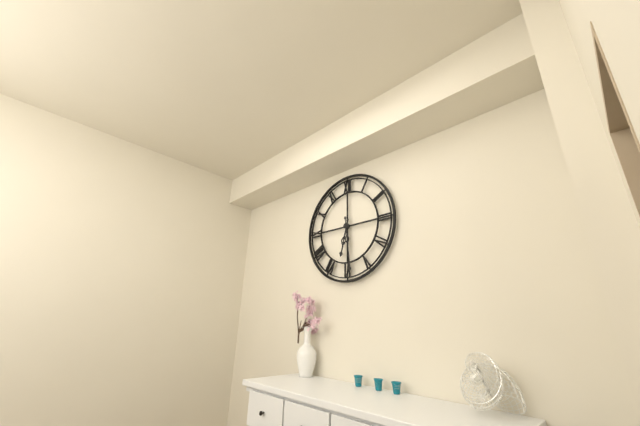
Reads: 6h29
